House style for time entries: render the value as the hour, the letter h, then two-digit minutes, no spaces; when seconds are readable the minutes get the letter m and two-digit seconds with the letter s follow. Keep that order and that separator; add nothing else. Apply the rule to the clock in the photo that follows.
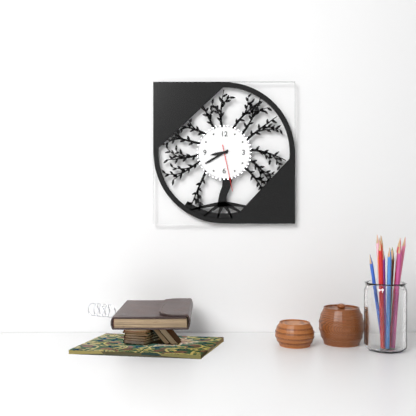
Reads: 8h40
